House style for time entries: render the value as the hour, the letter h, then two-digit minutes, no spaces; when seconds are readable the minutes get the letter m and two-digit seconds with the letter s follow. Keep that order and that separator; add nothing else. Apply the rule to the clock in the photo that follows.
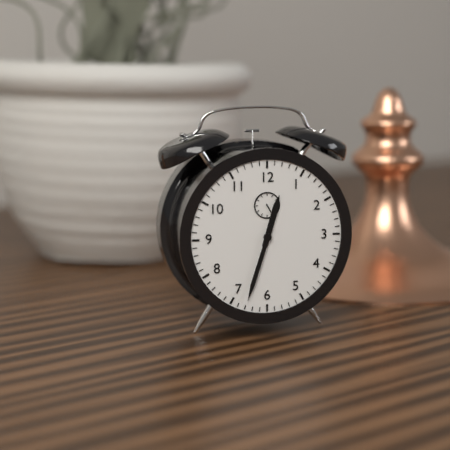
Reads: 12h33
